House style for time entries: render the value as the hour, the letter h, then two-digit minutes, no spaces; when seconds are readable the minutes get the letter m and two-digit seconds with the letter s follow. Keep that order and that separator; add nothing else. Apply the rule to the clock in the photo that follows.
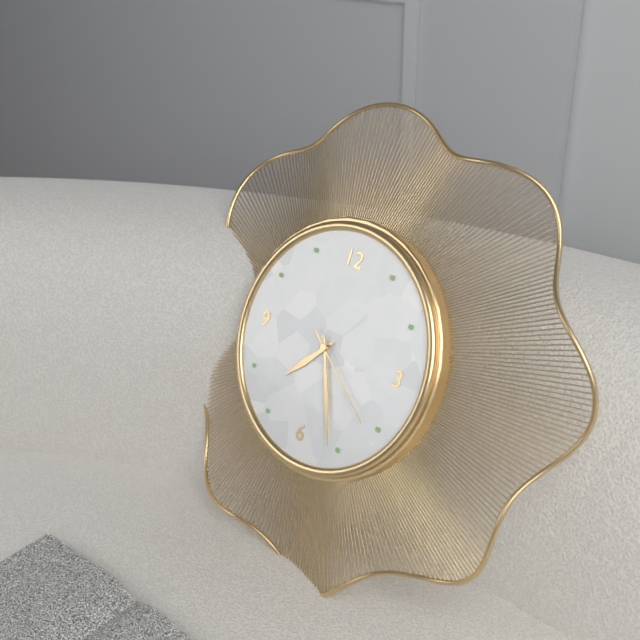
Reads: 7h26m21s
